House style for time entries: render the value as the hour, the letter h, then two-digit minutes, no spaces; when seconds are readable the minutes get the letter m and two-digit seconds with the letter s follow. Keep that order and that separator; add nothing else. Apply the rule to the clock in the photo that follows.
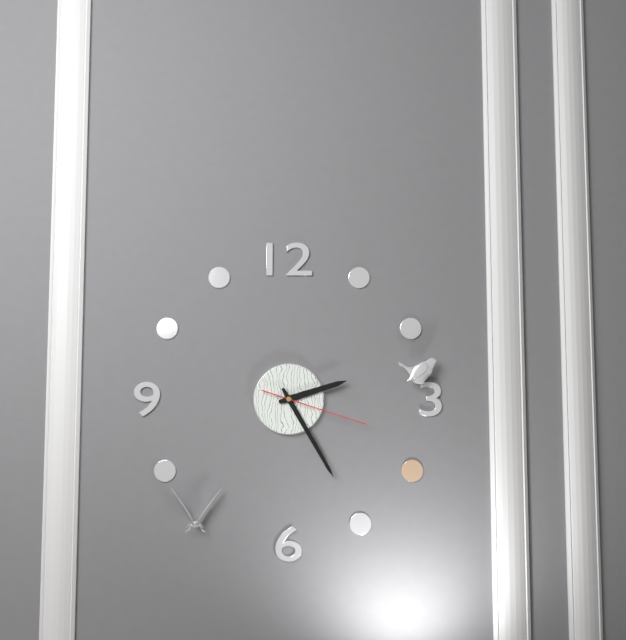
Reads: 2h25m18s
